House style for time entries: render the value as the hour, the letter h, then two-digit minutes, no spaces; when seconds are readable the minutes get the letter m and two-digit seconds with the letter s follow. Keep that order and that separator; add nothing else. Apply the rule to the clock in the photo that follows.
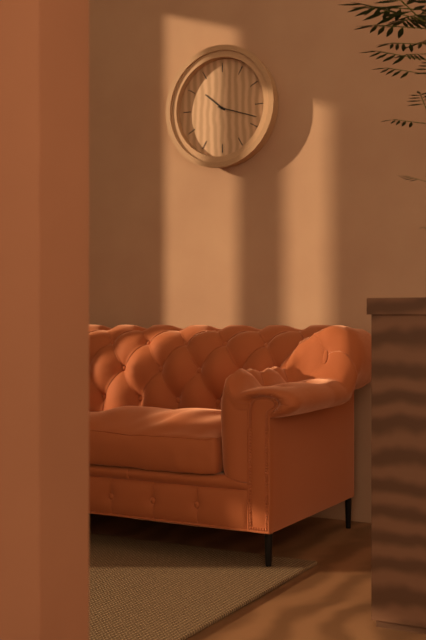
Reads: 10h18
